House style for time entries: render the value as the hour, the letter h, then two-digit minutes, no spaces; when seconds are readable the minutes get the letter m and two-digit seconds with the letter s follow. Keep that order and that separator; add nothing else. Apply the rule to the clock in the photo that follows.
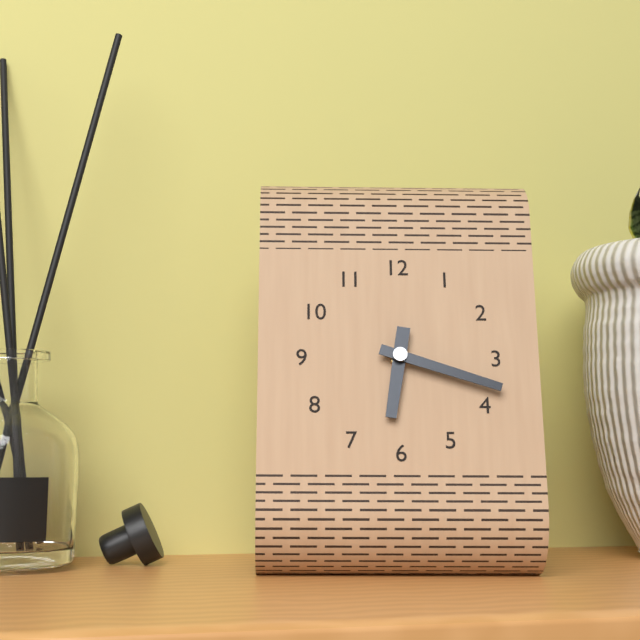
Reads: 6h18
